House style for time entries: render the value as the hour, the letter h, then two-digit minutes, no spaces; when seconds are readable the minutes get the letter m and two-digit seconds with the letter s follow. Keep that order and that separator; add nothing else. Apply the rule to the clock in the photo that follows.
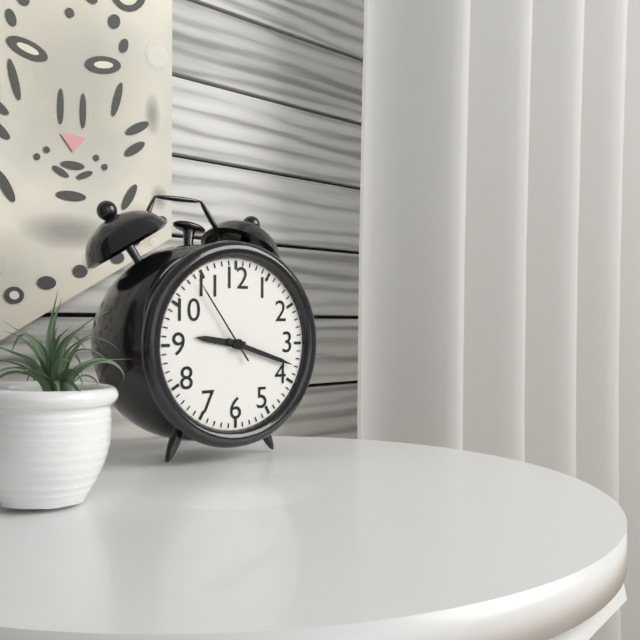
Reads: 9h18m54s
